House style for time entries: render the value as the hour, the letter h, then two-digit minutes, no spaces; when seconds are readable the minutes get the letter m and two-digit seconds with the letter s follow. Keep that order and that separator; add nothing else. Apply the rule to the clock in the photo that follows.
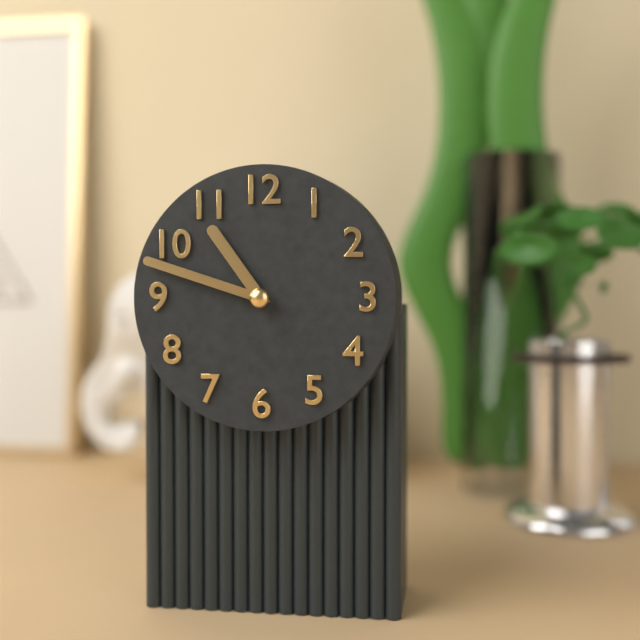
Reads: 10h48
